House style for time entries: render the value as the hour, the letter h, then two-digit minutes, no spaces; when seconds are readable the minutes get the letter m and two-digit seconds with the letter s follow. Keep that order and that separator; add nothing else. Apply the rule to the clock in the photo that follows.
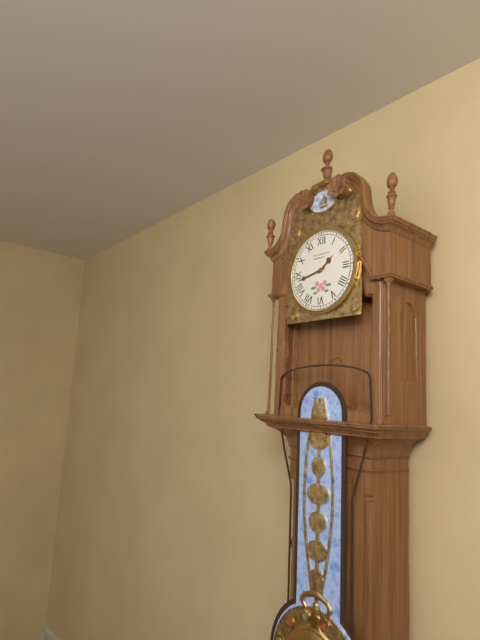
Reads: 1h43
